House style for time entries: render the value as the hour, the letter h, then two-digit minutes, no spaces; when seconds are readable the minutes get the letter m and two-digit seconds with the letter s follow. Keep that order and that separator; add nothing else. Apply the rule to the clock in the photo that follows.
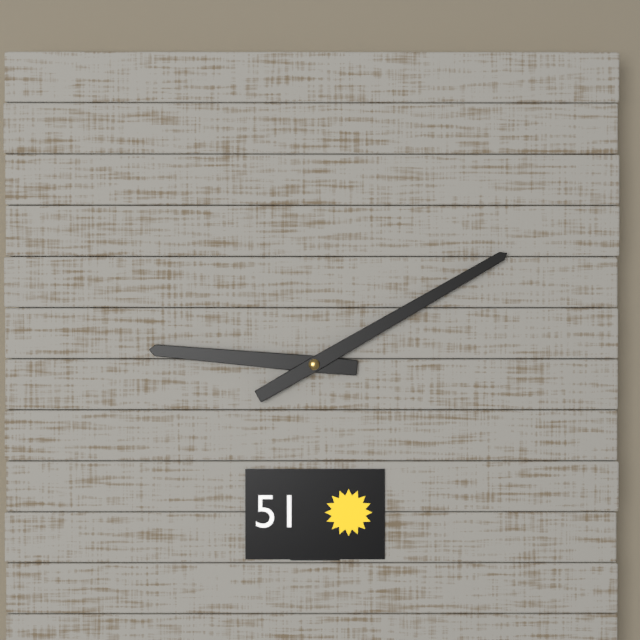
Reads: 9h10
